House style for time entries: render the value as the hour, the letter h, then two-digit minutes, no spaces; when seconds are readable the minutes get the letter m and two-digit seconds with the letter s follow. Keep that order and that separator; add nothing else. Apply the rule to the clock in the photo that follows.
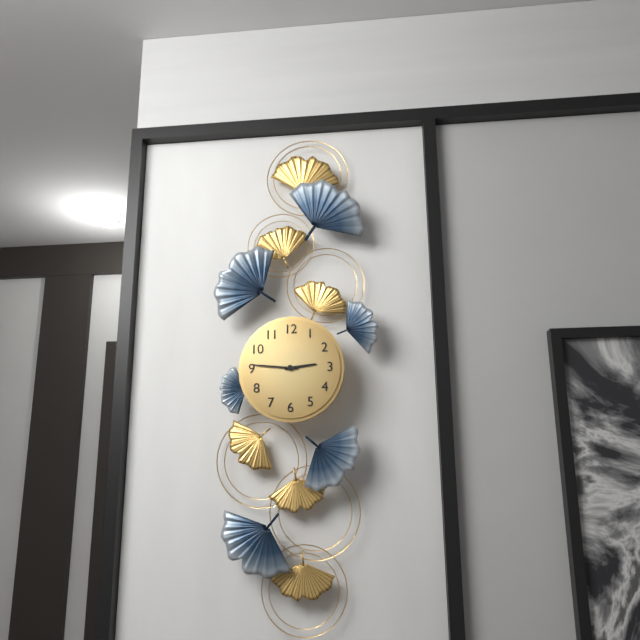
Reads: 2h46
